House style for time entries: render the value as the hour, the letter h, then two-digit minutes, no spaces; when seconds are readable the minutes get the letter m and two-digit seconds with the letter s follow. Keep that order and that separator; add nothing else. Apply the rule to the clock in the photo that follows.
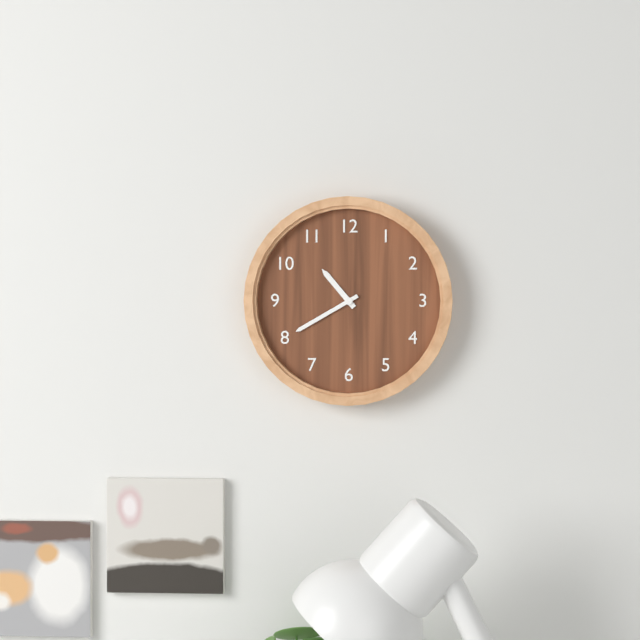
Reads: 10h40
